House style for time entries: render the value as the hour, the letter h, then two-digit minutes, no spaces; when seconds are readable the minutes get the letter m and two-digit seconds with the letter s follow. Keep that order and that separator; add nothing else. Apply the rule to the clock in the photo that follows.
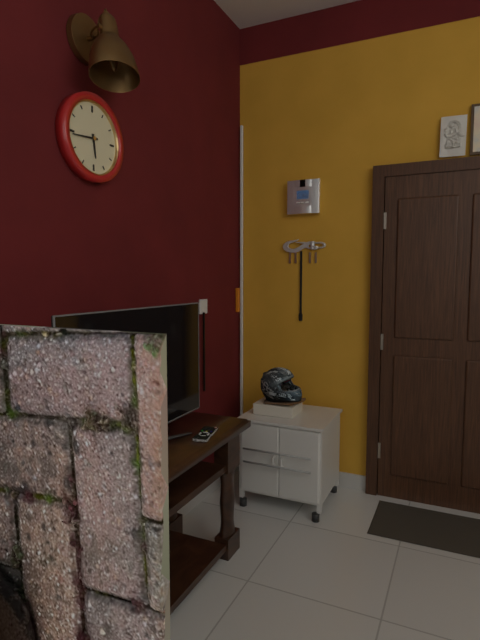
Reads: 5h44
